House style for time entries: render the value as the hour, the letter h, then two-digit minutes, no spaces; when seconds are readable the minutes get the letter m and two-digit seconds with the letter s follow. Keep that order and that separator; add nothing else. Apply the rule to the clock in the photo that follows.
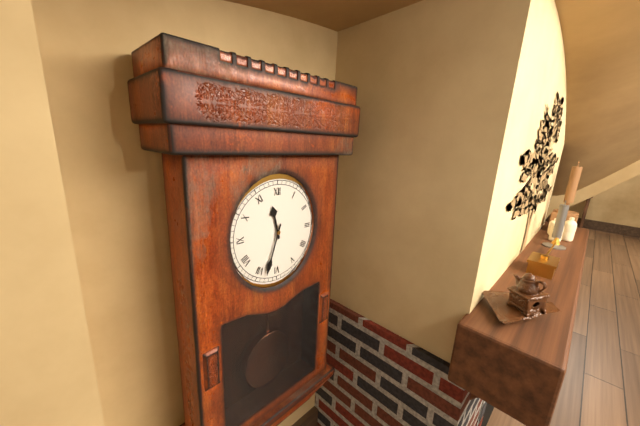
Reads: 11h33
